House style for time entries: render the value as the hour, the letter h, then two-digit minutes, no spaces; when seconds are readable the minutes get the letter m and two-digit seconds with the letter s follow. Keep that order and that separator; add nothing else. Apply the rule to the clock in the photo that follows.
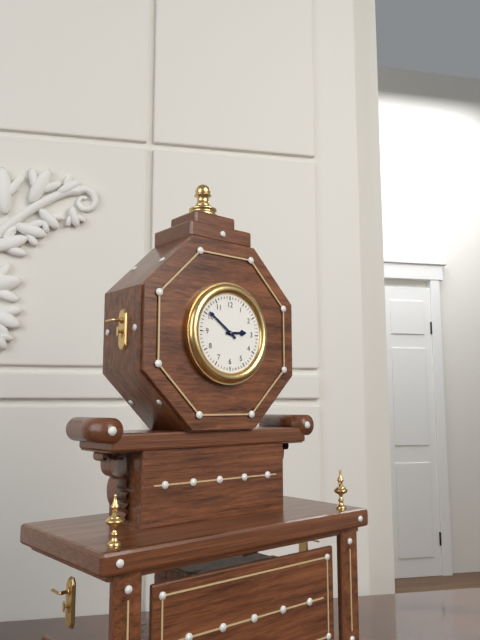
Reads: 2h51
